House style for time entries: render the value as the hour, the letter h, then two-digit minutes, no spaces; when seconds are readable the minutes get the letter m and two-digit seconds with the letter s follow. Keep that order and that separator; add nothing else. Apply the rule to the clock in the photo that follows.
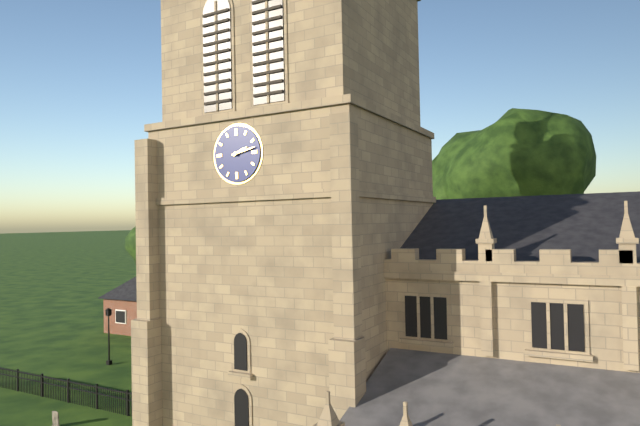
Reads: 2h13
